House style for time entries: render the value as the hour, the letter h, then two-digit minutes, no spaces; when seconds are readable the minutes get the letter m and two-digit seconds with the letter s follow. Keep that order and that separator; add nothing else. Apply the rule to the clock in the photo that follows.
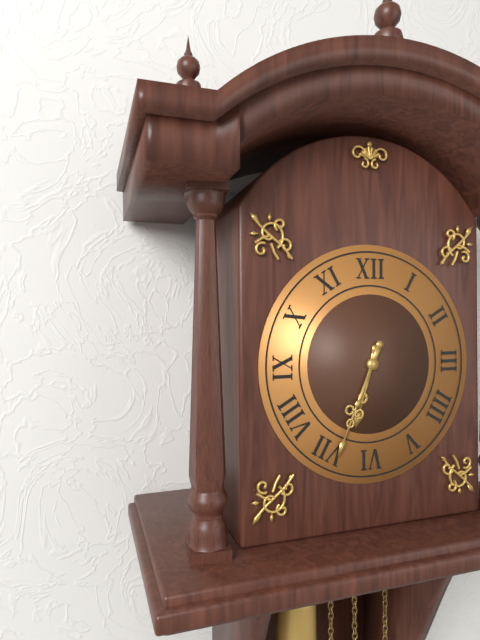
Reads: 6h34
